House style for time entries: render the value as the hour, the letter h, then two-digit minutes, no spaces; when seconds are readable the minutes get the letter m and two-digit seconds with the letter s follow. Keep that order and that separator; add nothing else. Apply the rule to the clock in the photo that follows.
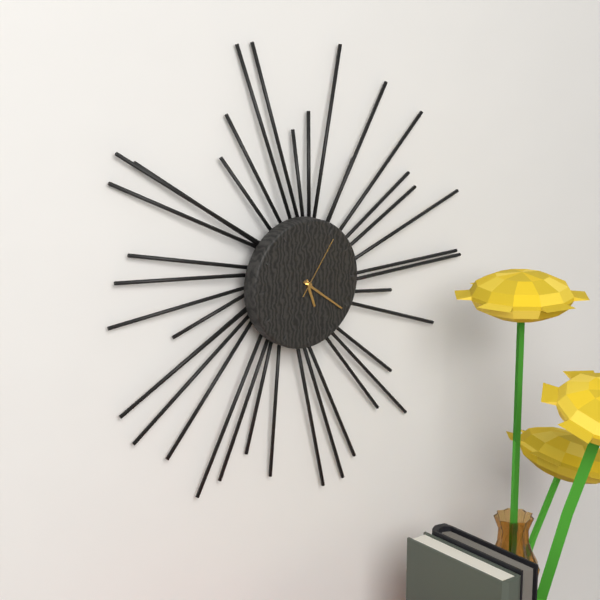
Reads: 5h21m06s
